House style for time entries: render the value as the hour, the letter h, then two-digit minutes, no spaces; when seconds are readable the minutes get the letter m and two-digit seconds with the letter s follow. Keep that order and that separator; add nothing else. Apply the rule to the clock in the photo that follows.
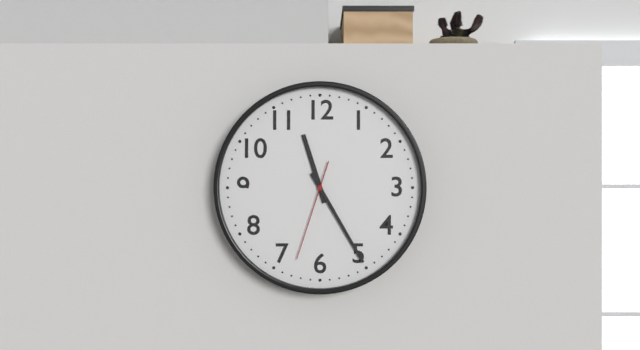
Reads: 11h25m33s
